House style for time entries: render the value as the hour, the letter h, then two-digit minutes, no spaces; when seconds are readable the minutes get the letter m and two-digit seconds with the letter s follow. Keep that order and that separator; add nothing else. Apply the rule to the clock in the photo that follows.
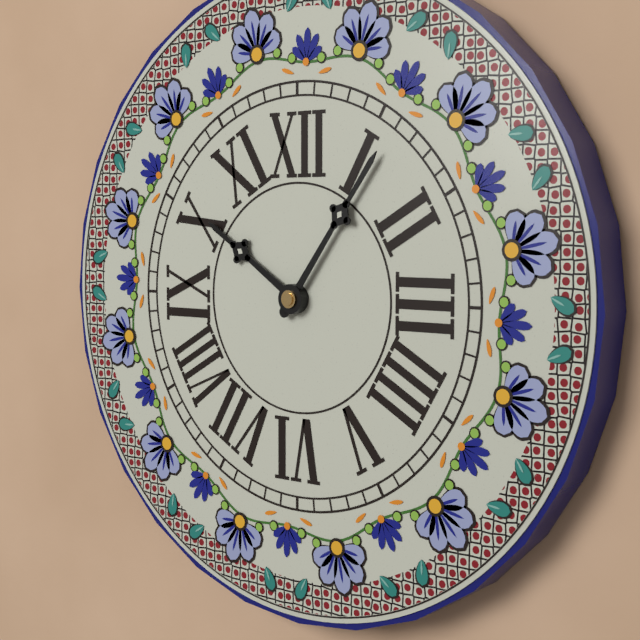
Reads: 10h06
